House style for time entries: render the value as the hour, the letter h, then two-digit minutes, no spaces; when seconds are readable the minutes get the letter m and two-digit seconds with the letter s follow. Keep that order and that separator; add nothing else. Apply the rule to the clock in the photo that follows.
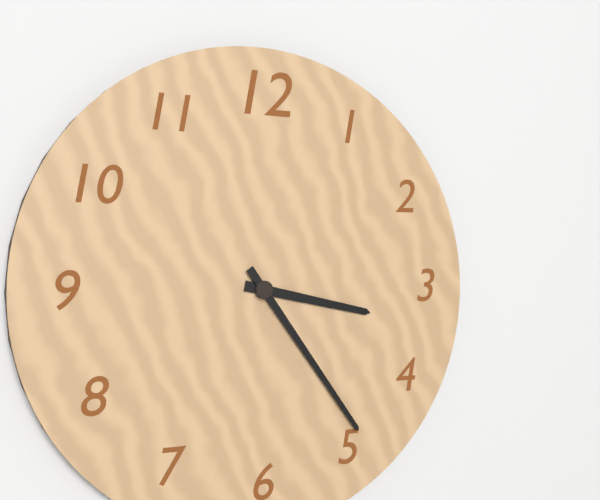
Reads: 3h24
